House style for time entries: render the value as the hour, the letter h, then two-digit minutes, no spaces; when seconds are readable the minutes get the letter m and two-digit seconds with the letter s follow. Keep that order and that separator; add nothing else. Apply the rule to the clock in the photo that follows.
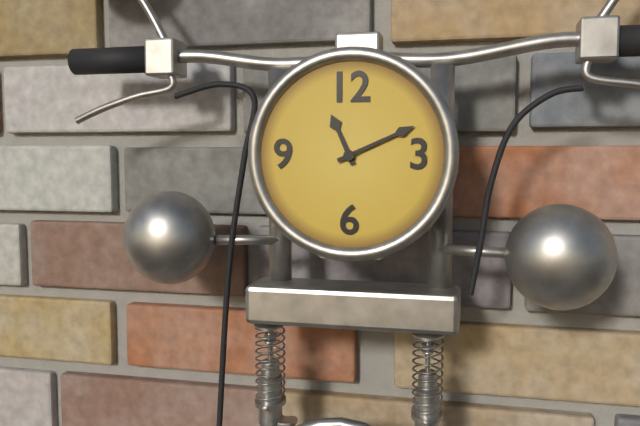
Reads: 11h11
